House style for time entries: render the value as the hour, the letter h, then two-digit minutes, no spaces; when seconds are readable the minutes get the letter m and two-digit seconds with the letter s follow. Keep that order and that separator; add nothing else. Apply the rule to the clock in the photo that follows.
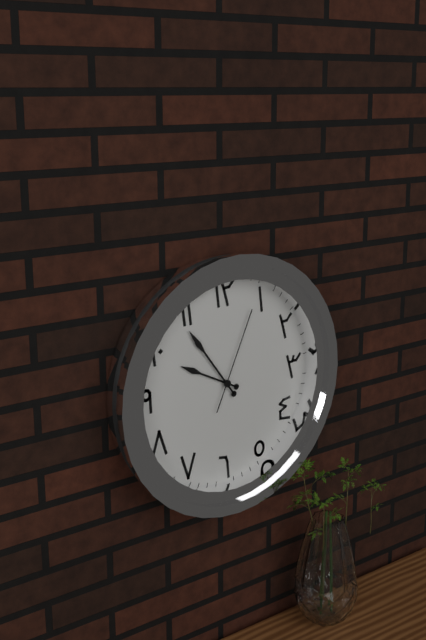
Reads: 9h54m04s
